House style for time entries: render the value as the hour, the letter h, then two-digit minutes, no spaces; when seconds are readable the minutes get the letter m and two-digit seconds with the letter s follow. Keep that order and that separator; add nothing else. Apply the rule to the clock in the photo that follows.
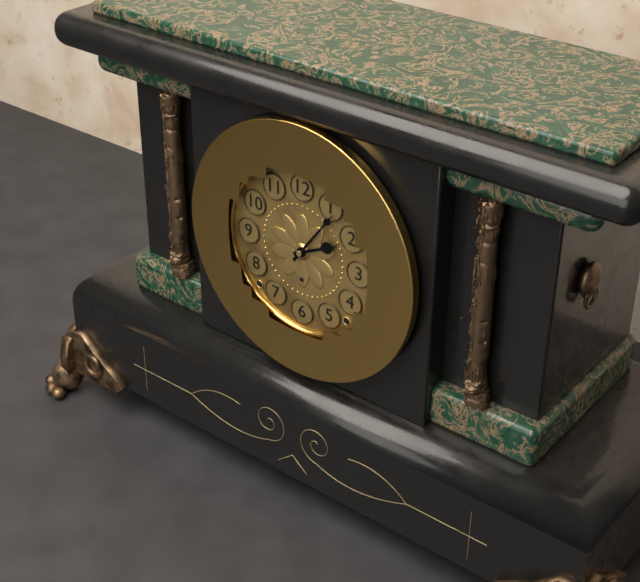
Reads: 2h06
